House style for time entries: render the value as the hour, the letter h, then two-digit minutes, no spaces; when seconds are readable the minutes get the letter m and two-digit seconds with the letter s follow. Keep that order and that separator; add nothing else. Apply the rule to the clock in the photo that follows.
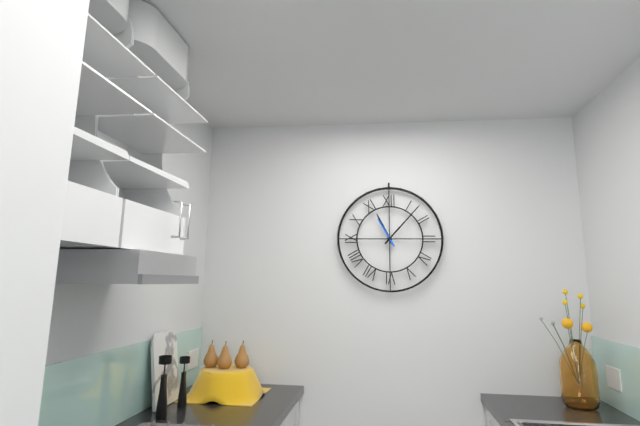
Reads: 11h07
